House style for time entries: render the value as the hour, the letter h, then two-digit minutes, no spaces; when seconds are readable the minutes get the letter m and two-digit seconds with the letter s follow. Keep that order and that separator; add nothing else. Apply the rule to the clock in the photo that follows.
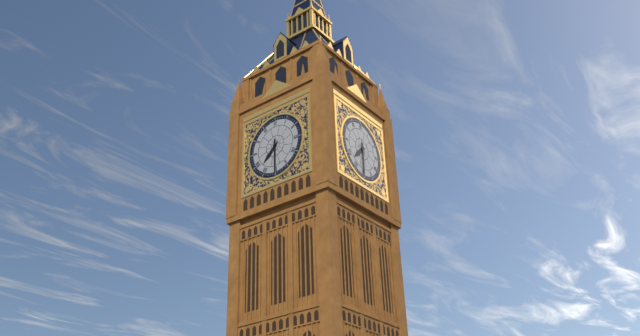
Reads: 7h30
